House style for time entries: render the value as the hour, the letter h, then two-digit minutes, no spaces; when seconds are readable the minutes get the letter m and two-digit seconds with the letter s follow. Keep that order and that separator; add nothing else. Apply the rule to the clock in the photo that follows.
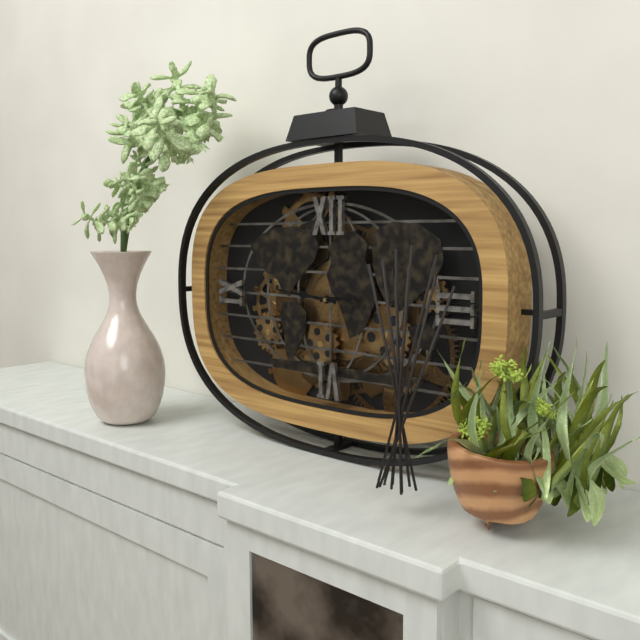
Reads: 2h46
